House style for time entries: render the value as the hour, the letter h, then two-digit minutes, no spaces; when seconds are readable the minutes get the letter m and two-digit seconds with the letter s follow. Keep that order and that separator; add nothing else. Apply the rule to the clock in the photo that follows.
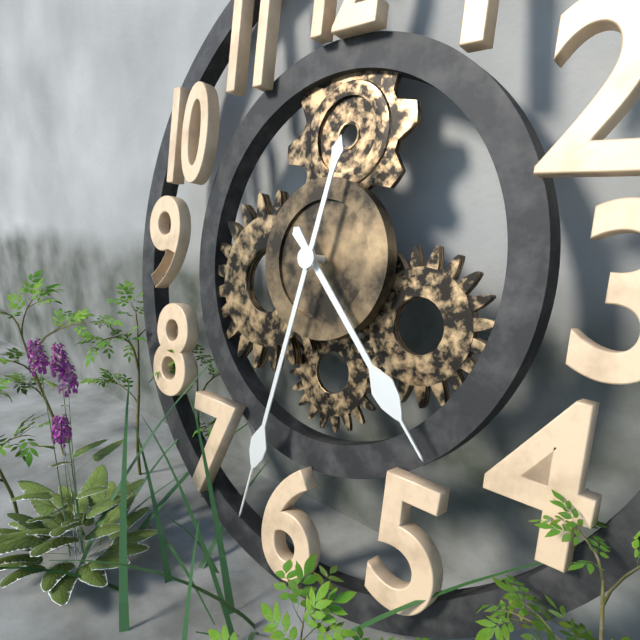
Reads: 4h32
